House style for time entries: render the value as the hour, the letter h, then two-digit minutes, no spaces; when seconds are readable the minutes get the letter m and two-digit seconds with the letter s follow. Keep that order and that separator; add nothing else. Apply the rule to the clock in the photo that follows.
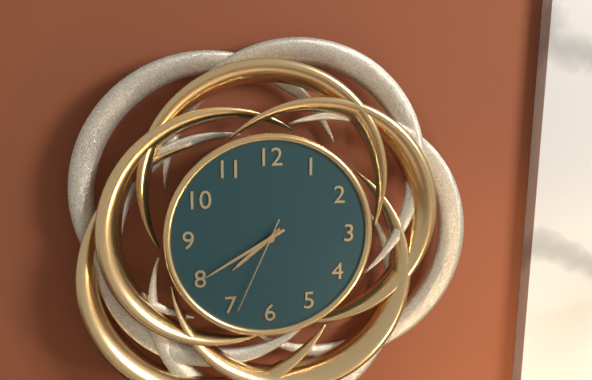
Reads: 7h40m34s
